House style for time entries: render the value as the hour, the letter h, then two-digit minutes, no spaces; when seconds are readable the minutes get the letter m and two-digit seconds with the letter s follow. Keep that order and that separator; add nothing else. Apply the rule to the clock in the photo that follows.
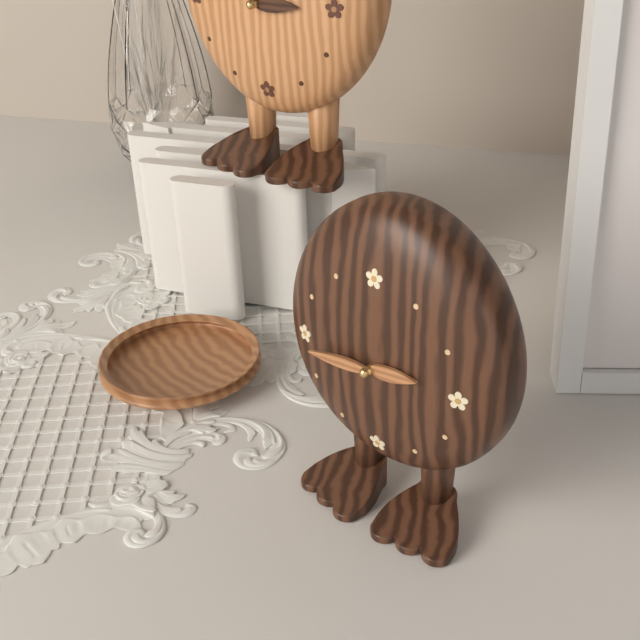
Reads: 2h44
